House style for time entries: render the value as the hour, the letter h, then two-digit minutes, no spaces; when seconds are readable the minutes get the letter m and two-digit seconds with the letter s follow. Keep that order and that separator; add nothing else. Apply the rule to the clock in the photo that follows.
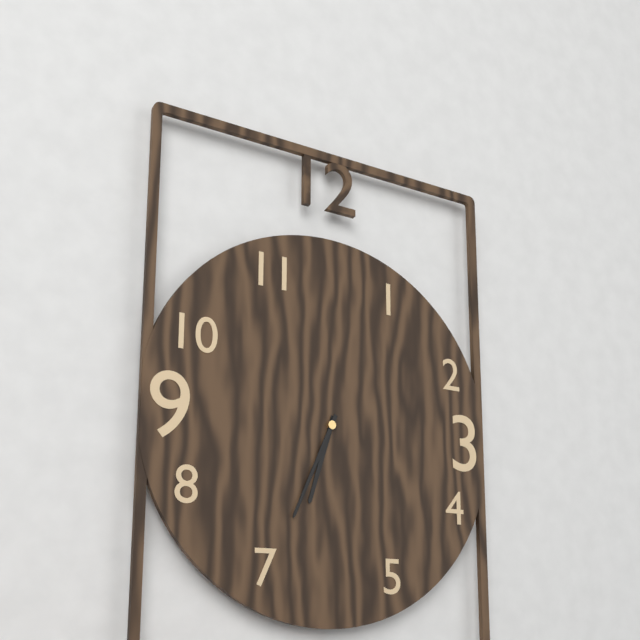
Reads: 6h34
